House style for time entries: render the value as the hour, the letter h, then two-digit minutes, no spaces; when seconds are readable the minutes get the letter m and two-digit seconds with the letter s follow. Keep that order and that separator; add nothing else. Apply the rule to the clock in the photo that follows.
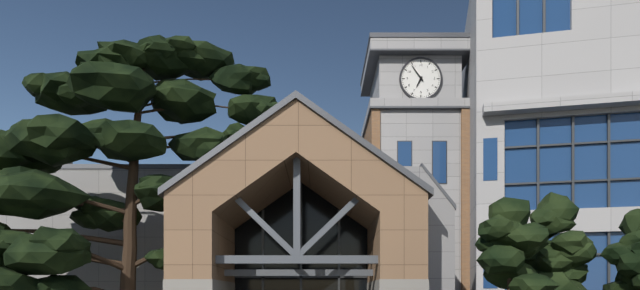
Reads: 6h54
